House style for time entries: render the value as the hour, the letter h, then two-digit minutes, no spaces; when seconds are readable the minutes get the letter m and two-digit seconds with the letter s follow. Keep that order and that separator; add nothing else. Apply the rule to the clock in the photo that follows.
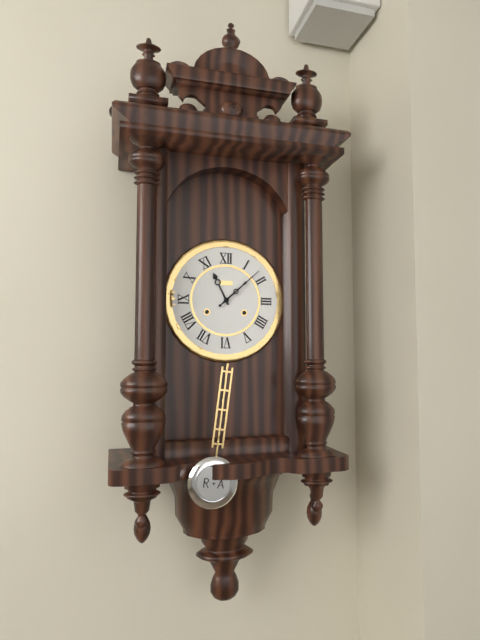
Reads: 11h08
